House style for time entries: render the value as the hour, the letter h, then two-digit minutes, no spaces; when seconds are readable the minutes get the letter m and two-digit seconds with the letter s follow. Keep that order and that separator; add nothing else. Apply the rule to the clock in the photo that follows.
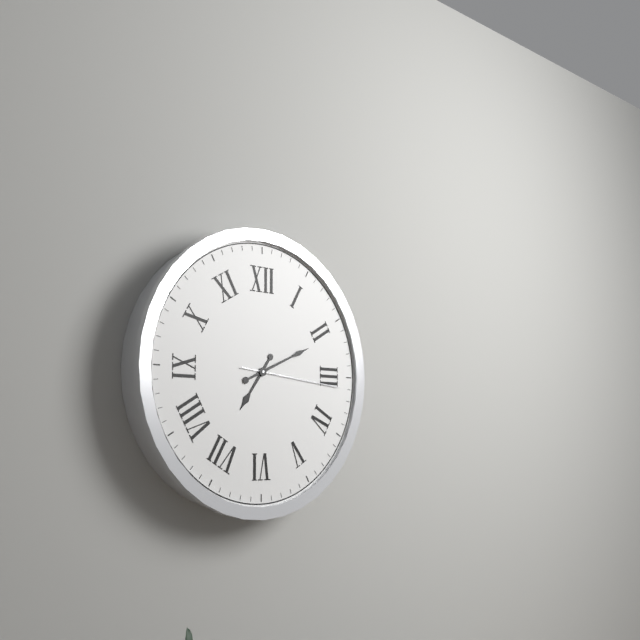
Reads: 7h11m16s
